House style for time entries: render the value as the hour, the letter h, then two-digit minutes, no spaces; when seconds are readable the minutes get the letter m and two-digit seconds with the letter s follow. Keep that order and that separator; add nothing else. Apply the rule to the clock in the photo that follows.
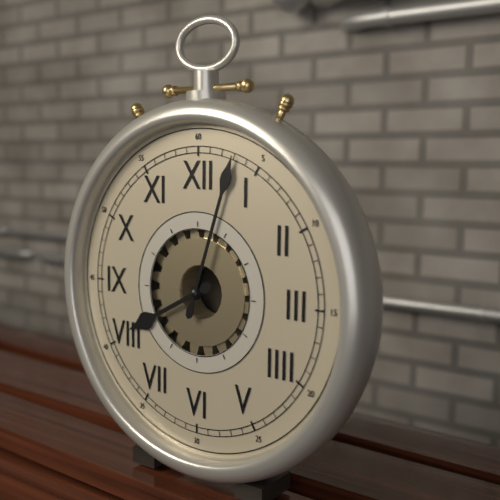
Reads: 8h03
